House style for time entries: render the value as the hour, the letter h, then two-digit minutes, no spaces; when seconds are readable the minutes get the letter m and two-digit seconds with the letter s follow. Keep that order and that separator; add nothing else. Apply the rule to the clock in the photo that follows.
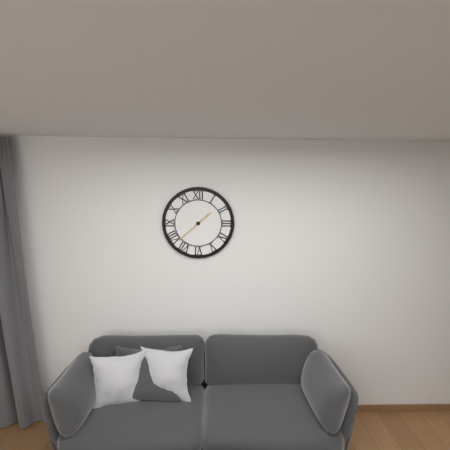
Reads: 1h38
